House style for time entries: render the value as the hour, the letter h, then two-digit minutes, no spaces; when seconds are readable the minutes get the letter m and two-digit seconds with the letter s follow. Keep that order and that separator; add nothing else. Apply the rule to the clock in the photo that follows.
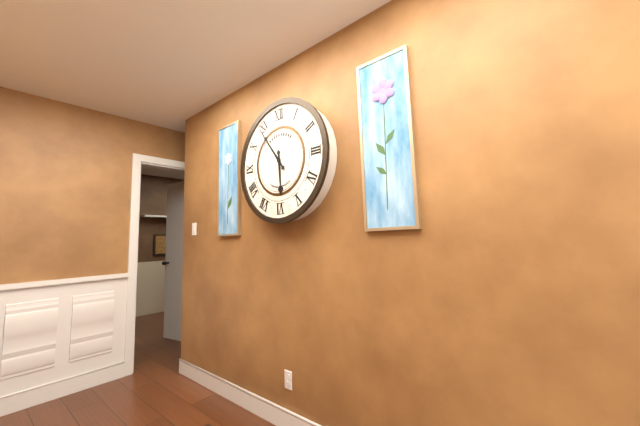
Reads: 5h54
